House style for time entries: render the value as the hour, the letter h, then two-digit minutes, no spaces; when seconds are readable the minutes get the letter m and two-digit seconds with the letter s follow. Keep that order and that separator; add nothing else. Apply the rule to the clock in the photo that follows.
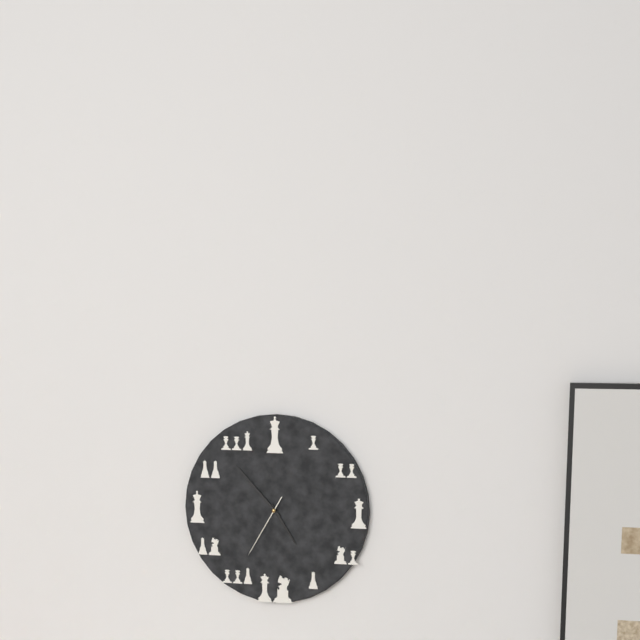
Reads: 4h53m35s
